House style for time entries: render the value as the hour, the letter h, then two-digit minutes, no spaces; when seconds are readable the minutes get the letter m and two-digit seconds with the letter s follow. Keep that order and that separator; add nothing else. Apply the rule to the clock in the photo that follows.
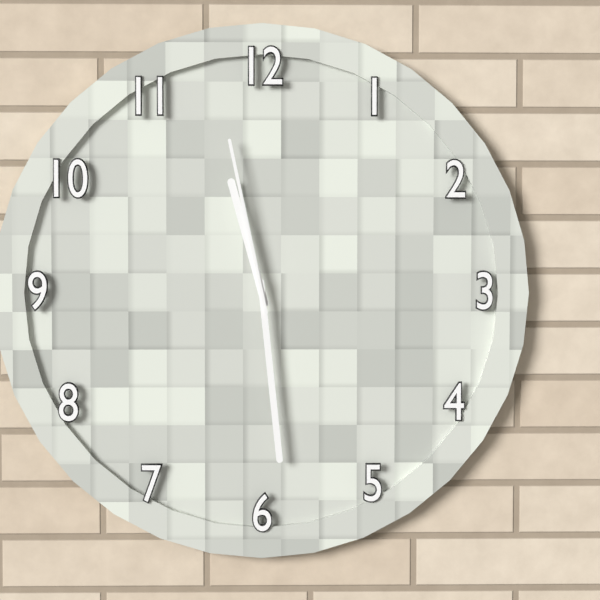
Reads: 11h29m58s
